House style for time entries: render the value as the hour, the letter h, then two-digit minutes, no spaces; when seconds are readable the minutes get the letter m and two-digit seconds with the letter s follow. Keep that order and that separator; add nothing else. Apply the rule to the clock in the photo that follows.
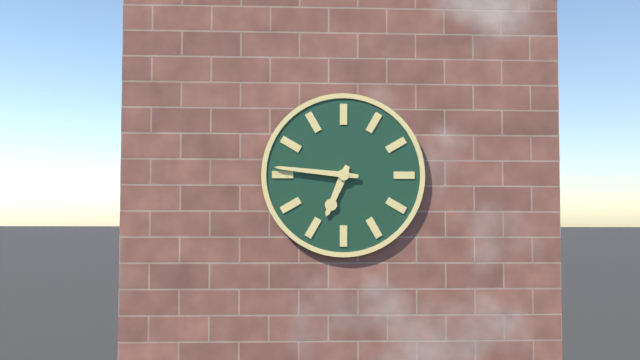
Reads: 6h46
